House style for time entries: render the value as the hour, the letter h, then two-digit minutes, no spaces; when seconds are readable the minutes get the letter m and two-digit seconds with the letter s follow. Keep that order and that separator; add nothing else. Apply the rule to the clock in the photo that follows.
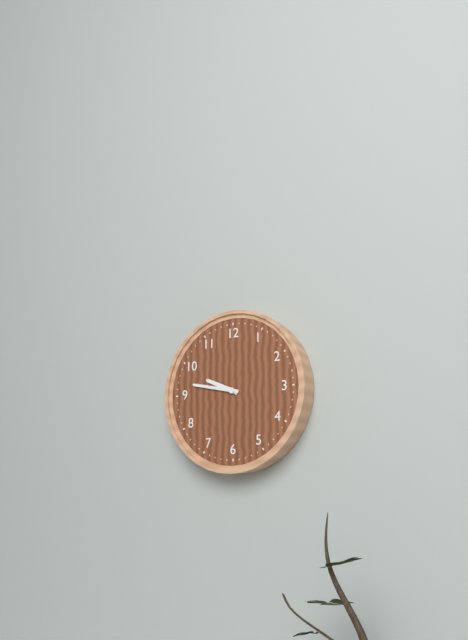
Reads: 9h47
